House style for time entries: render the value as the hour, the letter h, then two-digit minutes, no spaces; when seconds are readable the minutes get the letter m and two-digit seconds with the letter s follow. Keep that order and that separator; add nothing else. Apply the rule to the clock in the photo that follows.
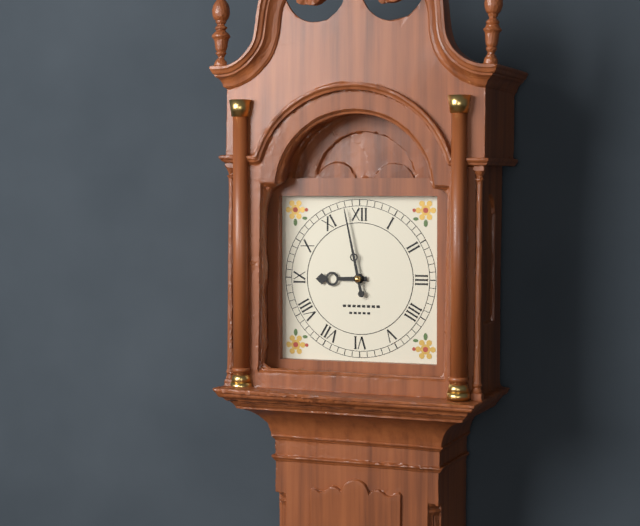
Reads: 8h58
